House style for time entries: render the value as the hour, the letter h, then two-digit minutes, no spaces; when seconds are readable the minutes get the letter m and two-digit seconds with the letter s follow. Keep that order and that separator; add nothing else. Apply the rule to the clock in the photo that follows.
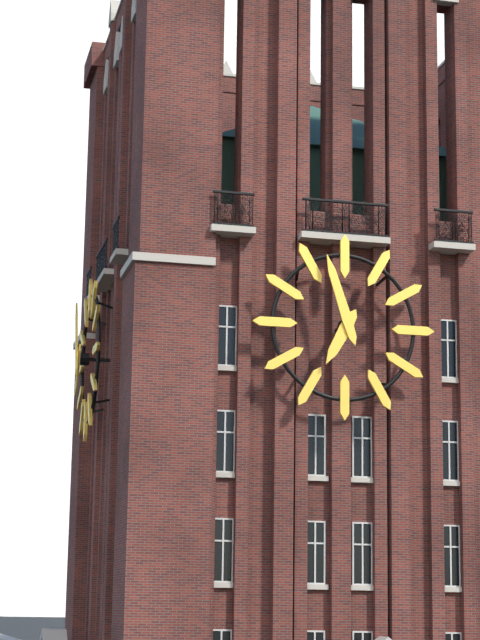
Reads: 6h57
